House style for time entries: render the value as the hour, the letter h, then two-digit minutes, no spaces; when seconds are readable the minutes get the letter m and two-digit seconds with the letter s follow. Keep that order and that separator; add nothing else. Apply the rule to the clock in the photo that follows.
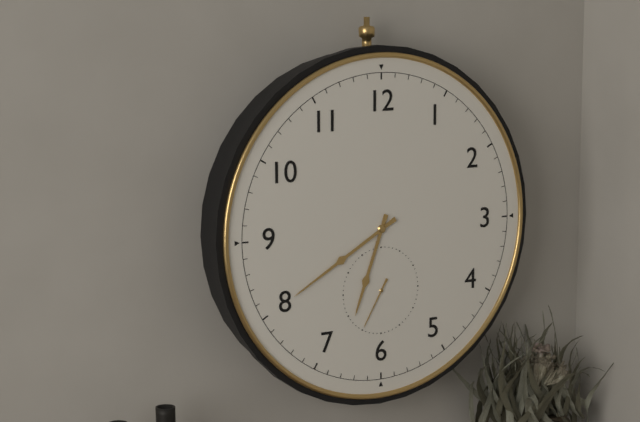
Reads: 6h40m35s
